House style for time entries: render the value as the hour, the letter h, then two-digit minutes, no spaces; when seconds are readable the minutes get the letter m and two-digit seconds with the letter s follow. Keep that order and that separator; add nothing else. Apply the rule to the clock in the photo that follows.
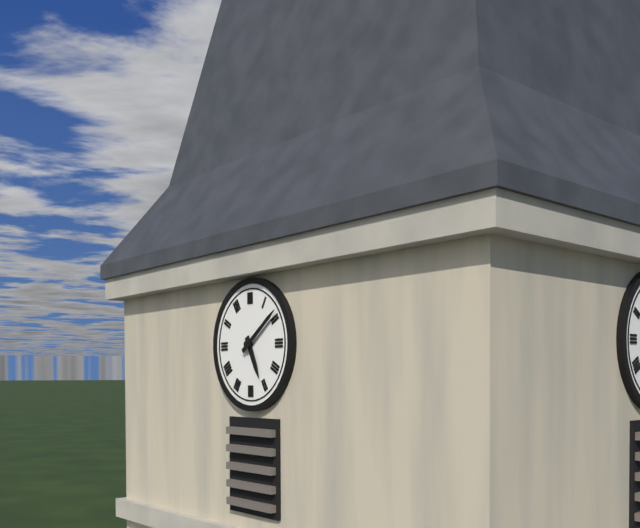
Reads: 5h09
